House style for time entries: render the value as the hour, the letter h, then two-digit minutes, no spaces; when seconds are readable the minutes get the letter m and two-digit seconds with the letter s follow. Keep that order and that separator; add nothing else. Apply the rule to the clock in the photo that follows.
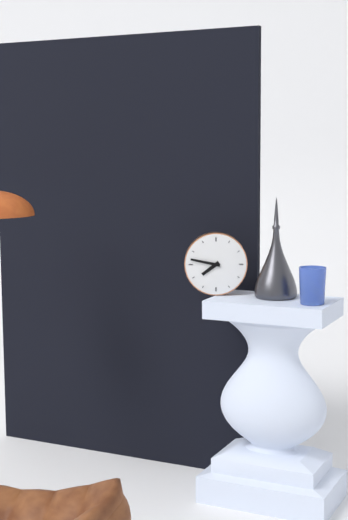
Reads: 7h47
